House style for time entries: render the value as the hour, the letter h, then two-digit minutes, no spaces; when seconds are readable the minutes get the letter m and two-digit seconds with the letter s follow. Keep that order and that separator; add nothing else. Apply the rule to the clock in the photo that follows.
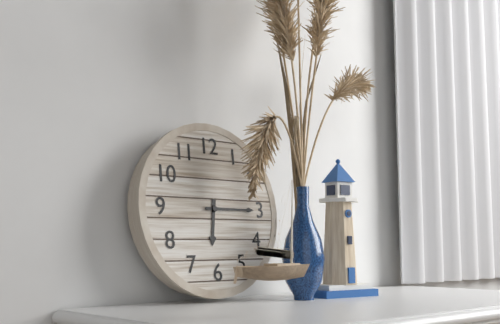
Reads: 6h15
